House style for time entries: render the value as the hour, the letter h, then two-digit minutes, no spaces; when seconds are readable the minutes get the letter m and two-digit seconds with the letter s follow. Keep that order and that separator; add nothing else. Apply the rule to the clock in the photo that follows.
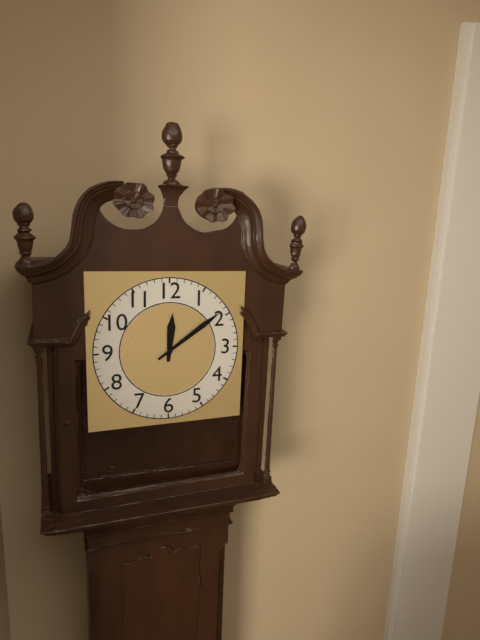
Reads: 12h09
